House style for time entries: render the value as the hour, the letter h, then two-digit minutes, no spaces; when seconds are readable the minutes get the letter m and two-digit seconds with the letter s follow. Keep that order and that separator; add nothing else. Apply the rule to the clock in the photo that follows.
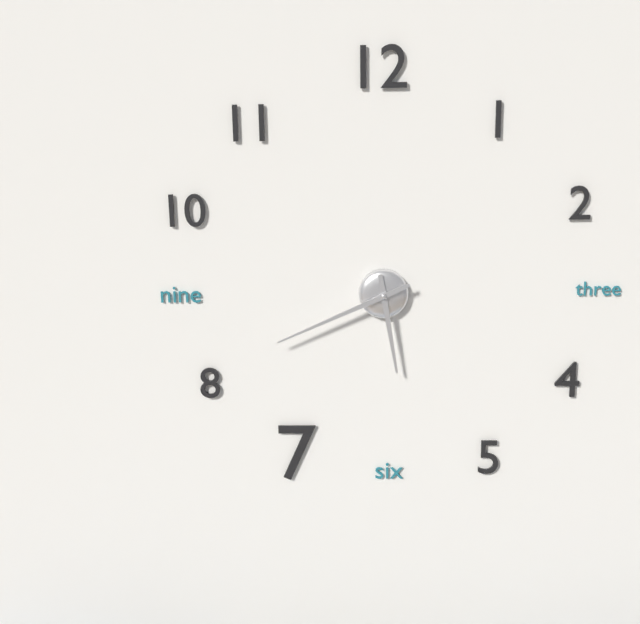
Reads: 5h41
